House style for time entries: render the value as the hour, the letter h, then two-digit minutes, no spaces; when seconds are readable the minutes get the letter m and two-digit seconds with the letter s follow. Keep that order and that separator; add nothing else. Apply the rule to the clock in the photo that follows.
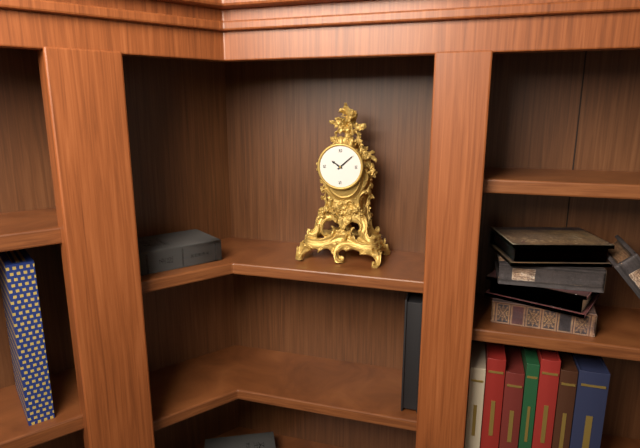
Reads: 10h08
